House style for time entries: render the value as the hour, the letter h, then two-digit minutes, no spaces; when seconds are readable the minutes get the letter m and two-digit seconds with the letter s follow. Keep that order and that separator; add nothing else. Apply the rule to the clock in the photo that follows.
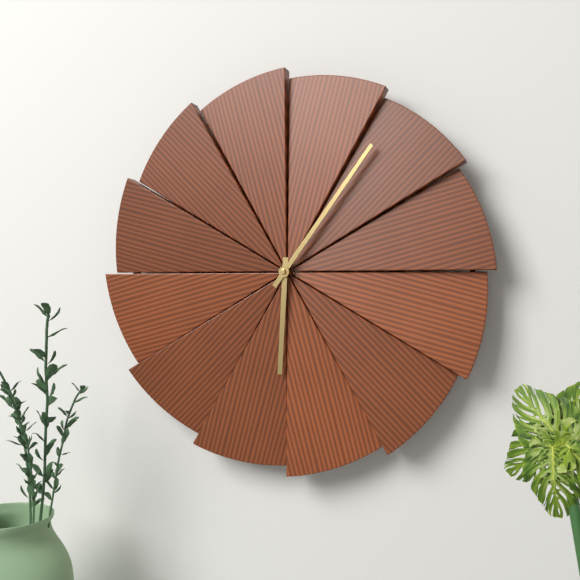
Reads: 6h06
